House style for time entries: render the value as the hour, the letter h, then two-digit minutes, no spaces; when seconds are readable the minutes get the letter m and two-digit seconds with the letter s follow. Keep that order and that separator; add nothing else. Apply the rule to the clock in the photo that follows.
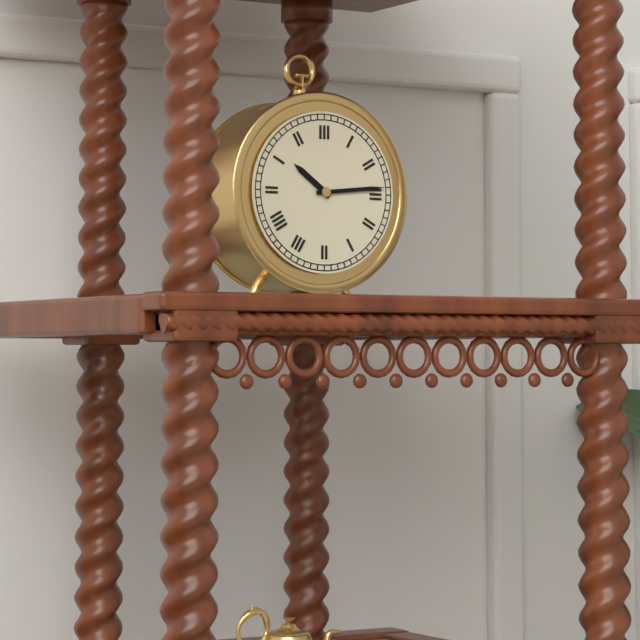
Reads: 10h14
